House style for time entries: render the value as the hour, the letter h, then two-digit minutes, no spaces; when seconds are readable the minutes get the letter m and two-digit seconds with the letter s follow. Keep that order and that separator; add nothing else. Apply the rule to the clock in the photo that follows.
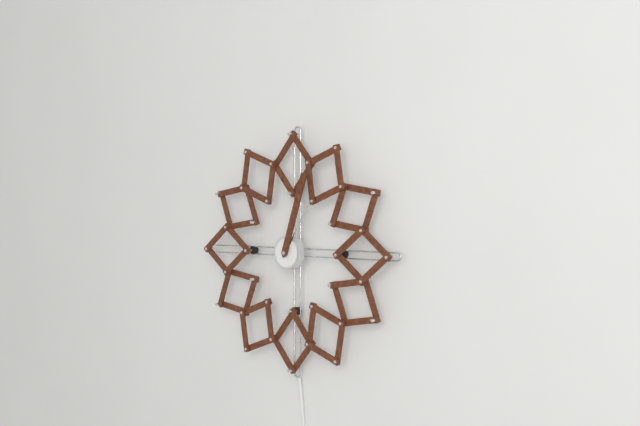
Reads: 1h03
